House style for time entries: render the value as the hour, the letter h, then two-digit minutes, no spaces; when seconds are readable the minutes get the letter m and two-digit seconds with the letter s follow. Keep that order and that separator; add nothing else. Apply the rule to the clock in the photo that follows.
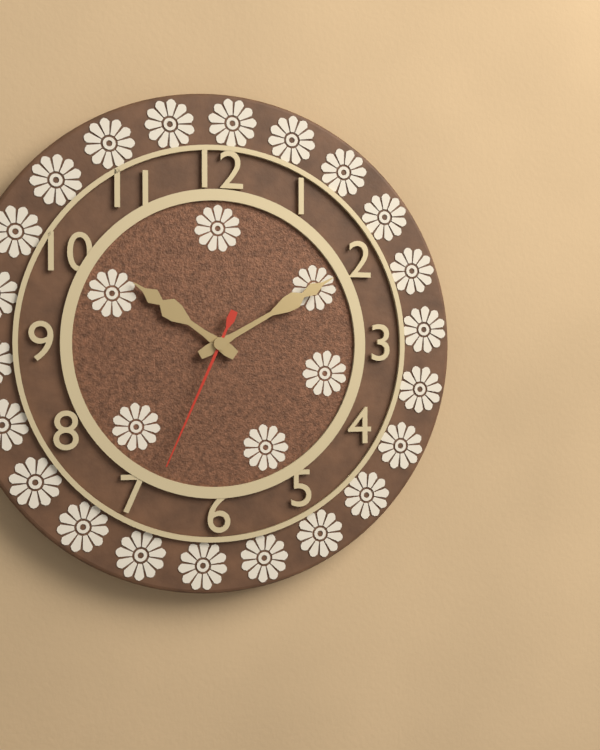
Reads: 10h10m34s
